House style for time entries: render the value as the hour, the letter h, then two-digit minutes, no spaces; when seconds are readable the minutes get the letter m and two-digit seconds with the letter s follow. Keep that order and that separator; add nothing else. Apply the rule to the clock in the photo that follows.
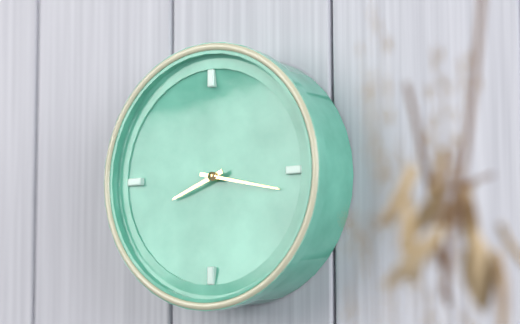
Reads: 8h17
